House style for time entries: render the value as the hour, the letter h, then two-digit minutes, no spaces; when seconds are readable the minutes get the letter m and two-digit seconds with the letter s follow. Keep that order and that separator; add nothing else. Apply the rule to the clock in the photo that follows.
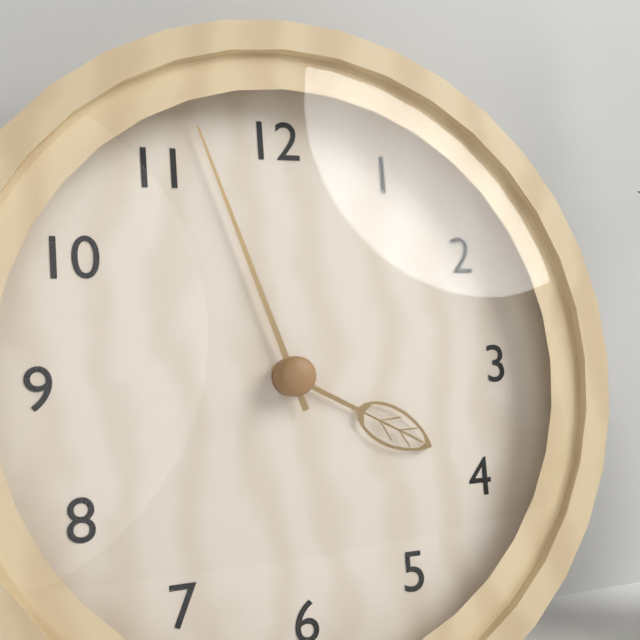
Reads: 3h57
